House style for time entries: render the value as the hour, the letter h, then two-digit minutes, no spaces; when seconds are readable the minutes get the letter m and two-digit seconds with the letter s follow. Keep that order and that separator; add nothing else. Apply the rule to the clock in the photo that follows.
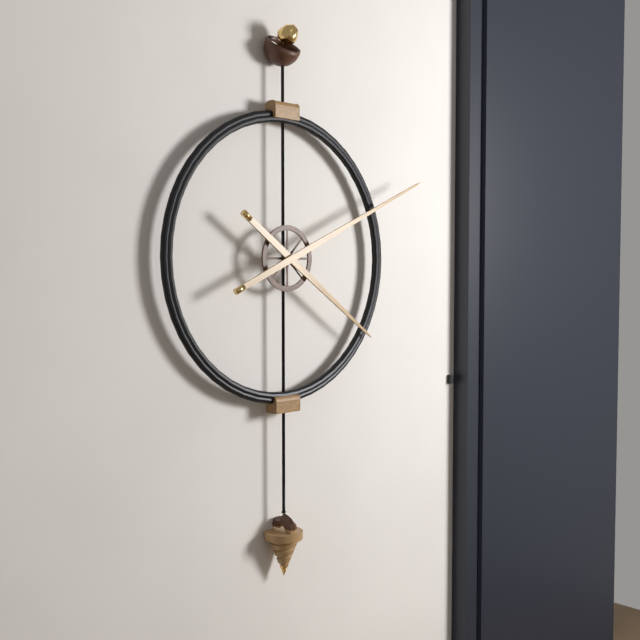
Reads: 4h11
